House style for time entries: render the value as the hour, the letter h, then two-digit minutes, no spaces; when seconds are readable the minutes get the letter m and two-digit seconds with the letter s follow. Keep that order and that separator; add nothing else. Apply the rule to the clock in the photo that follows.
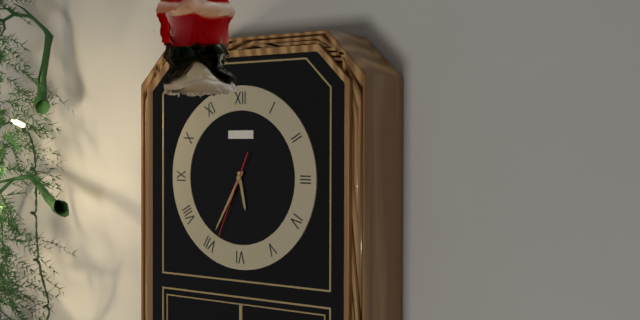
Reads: 5h35m34s
